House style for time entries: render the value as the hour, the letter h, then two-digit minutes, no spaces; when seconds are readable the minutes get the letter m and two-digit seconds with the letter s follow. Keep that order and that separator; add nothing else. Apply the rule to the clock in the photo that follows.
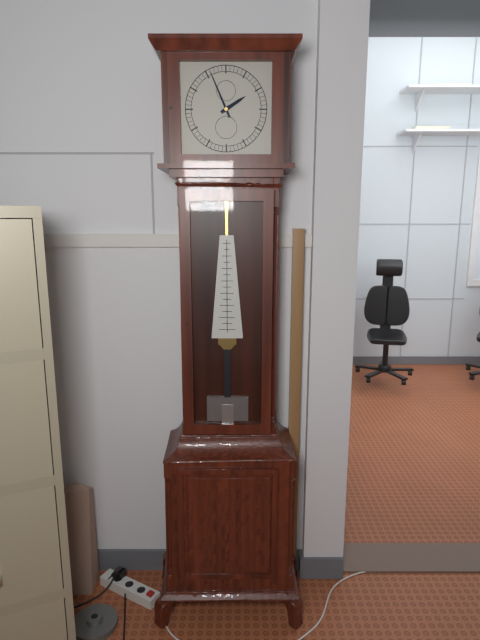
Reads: 1h56
